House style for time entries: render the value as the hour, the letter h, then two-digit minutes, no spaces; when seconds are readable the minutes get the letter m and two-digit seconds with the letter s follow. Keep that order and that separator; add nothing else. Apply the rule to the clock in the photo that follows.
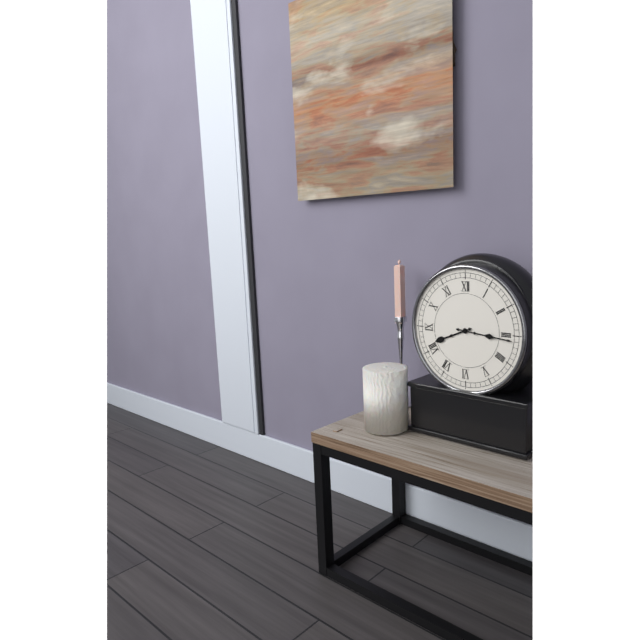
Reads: 8h16
